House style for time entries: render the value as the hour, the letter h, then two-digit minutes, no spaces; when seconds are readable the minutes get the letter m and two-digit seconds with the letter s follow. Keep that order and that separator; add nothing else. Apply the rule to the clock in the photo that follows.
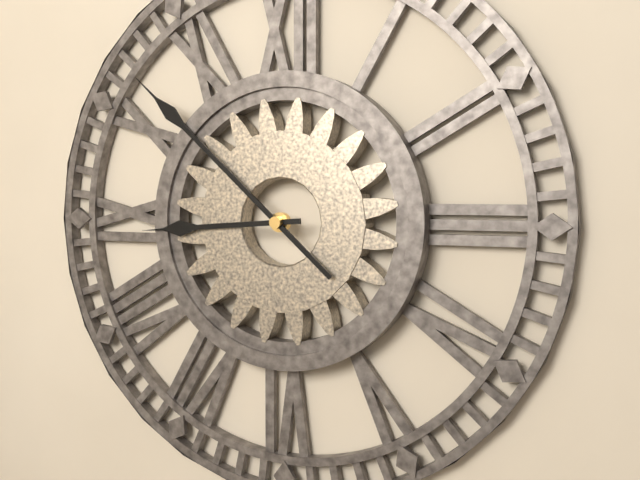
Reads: 8h52
